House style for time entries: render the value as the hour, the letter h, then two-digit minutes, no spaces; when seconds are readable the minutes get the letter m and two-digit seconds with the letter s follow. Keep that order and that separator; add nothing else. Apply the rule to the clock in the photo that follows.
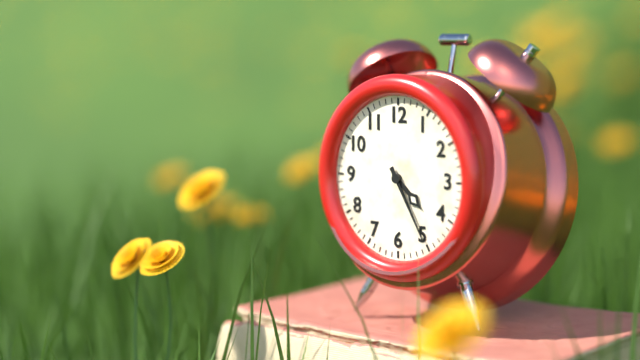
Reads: 4h25
